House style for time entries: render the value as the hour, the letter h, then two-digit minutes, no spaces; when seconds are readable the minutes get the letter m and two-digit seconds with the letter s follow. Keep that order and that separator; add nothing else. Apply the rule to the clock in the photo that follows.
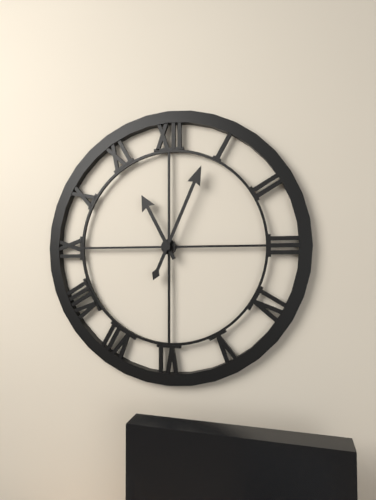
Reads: 11h04
